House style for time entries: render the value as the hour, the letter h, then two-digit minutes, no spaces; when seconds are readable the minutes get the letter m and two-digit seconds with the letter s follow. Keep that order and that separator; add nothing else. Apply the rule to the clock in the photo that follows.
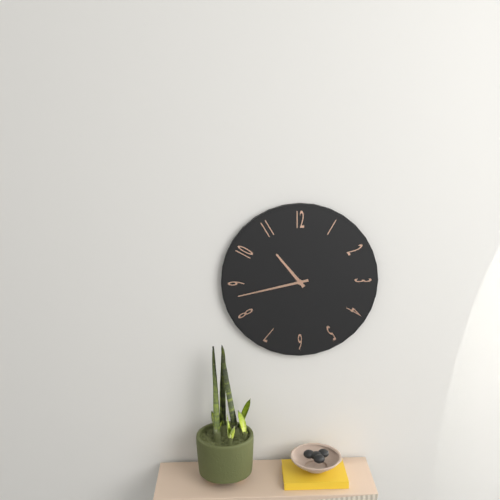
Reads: 10h43
